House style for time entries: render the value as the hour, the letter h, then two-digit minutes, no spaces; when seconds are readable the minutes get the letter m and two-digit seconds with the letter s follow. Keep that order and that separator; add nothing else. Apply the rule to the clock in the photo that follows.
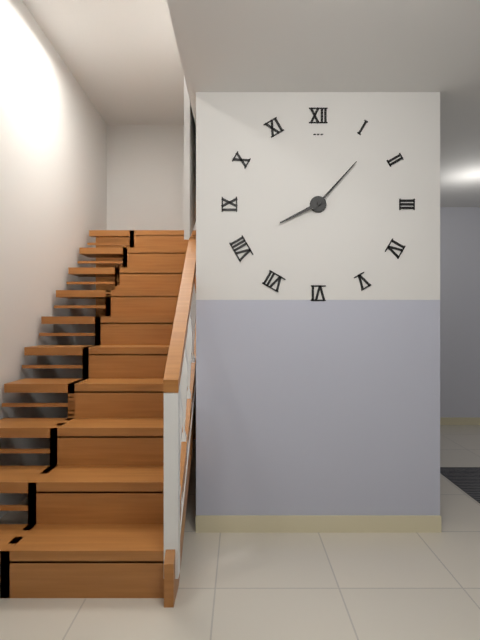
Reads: 8h07
